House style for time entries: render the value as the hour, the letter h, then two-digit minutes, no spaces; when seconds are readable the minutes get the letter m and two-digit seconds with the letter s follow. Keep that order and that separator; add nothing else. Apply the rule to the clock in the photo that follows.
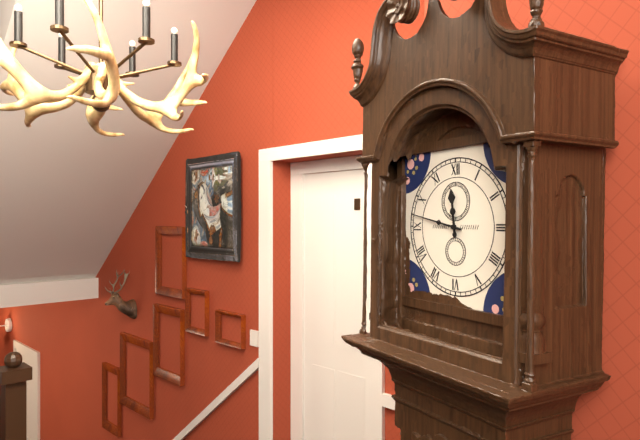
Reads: 11h47
